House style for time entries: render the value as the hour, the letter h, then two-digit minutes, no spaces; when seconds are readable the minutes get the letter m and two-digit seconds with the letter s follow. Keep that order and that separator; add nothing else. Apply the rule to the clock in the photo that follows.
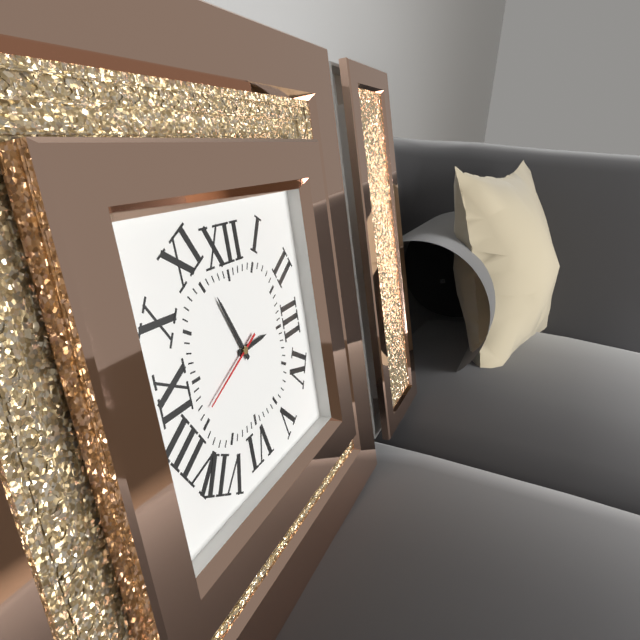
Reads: 2h56m41s
